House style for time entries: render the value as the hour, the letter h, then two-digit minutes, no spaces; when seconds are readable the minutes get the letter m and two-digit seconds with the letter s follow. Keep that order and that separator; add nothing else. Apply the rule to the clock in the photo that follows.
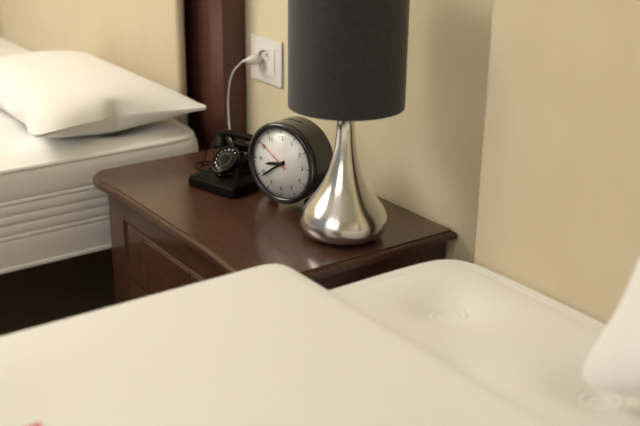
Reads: 8h39
